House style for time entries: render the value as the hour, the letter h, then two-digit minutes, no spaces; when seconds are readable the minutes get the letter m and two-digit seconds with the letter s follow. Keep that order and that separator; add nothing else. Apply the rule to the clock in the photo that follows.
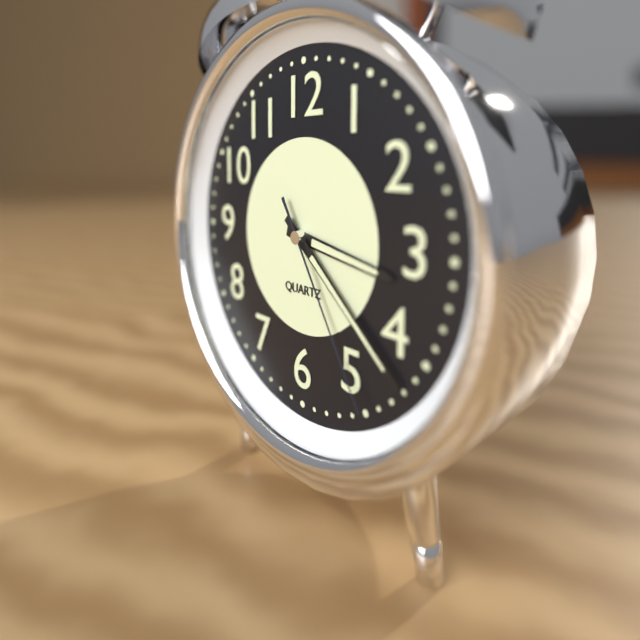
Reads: 3h22m25s
